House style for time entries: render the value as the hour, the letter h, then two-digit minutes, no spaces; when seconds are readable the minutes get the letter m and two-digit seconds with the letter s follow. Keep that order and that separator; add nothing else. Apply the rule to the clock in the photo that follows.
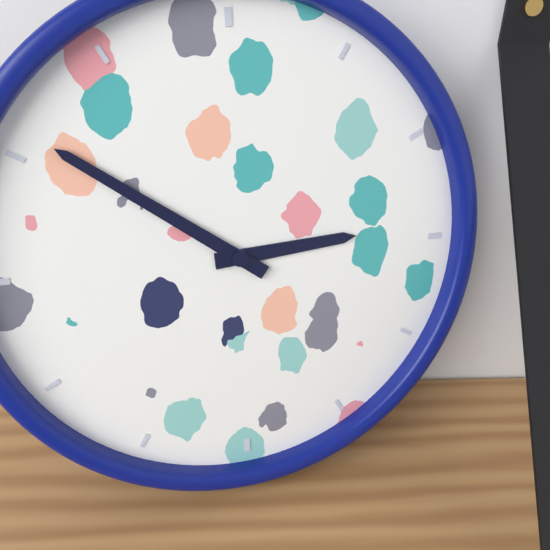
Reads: 2h51
